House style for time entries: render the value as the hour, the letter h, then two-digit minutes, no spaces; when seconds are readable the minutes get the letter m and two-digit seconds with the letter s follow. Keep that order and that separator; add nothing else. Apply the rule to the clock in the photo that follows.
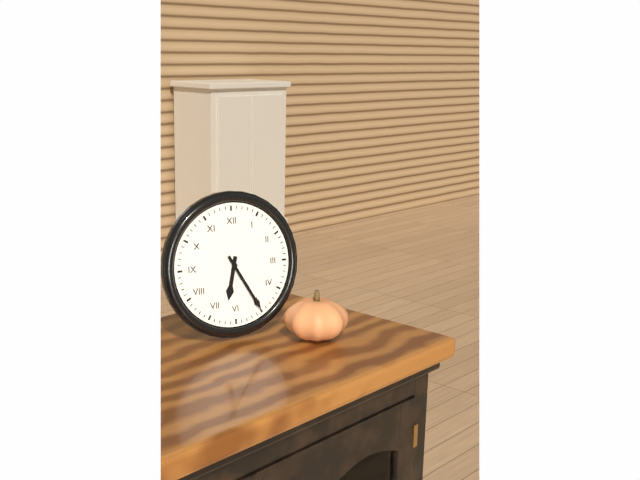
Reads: 6h25
